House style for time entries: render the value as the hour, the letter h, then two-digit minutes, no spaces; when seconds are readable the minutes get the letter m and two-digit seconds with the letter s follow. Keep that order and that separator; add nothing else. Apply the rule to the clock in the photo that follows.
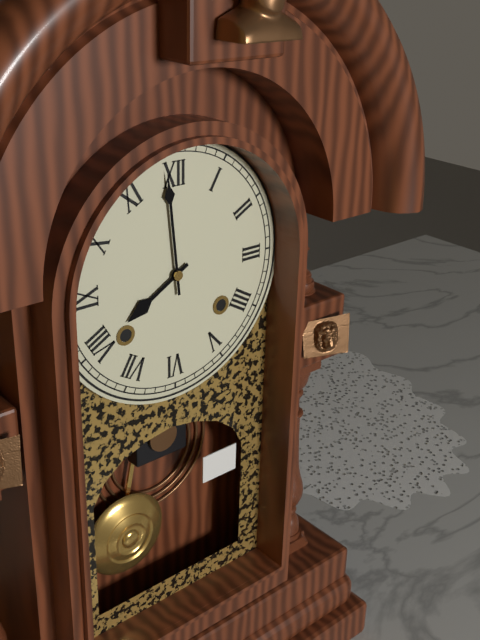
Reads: 7h59
